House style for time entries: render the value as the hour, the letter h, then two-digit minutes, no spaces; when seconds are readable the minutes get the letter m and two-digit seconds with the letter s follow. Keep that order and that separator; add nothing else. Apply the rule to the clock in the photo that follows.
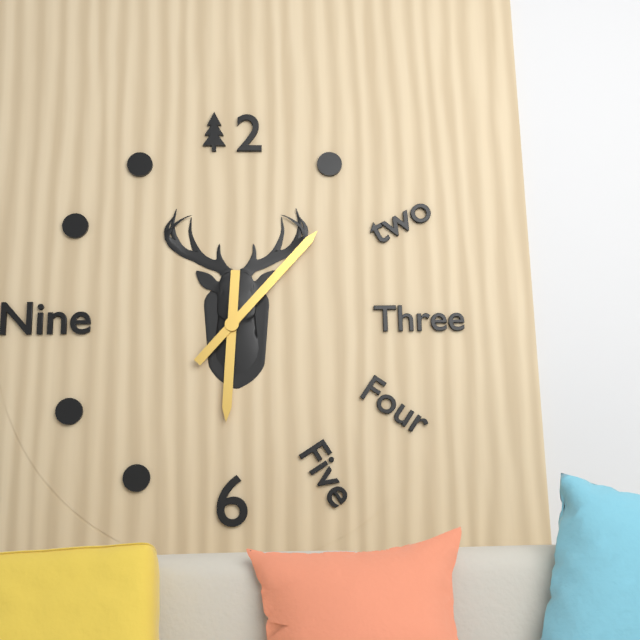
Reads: 6h07
